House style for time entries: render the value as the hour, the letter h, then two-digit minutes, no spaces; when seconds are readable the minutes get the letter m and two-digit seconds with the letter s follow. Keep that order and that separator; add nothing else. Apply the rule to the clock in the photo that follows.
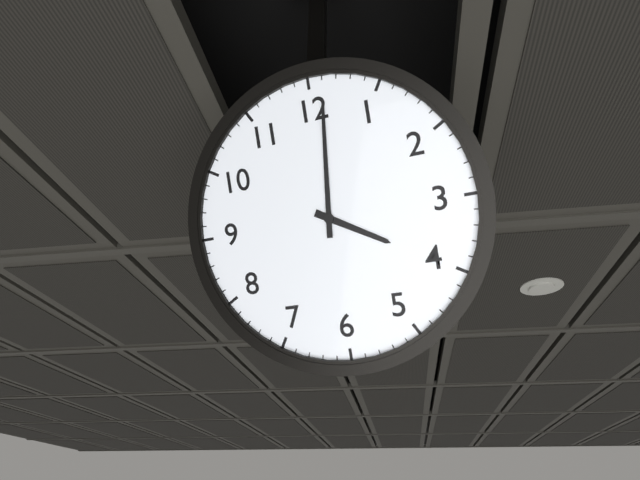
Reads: 4h01
